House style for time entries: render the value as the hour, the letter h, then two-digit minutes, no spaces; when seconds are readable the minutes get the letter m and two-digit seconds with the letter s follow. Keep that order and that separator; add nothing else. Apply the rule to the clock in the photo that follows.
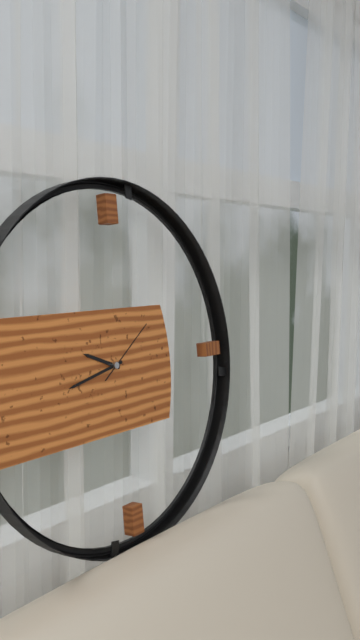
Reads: 9h43m09s
